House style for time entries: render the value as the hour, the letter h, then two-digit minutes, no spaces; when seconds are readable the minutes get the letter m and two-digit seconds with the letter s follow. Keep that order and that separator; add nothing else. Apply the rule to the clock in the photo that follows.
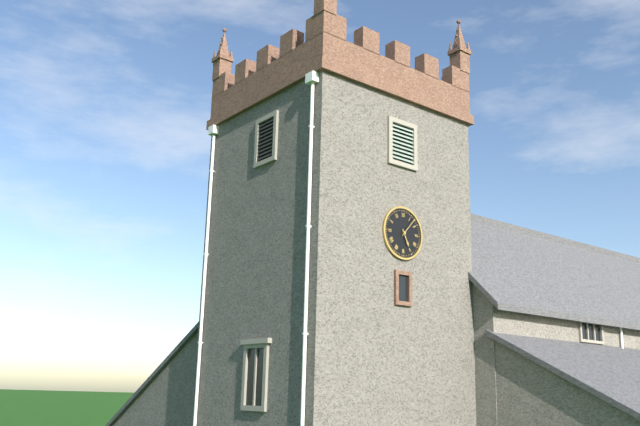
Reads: 5h07
